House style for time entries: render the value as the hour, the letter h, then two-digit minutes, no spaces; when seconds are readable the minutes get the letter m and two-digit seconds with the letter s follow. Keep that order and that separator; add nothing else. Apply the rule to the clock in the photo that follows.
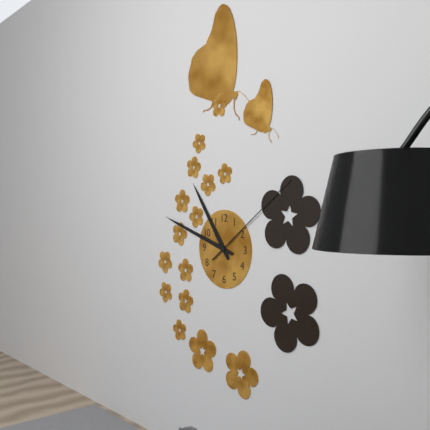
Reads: 10h48m09s
